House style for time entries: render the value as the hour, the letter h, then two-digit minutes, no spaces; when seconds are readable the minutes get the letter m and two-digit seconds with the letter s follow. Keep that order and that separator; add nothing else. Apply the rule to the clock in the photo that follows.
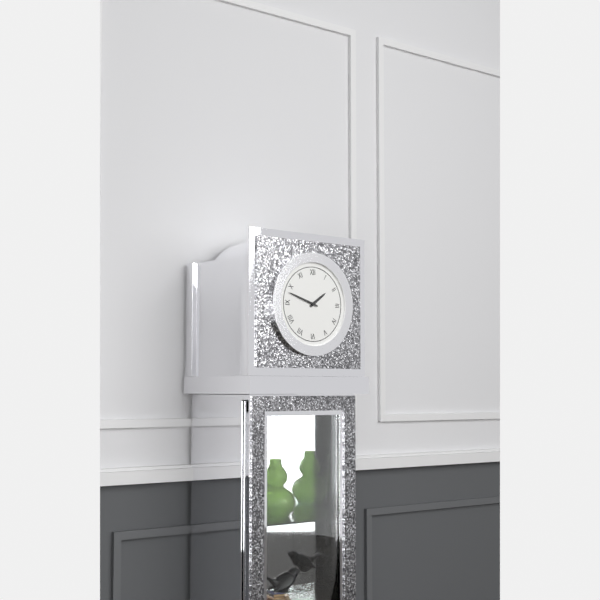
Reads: 1h48
